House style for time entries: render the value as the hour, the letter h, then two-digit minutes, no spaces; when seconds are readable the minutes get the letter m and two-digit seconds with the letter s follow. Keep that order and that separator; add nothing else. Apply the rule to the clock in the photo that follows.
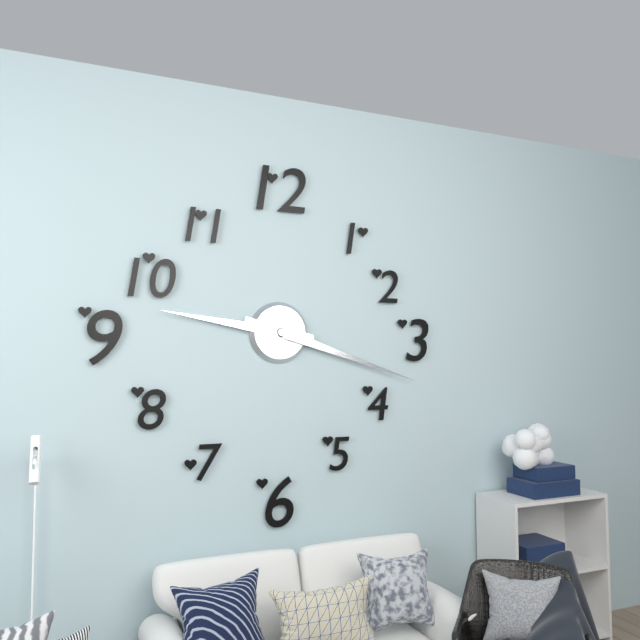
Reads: 9h18
